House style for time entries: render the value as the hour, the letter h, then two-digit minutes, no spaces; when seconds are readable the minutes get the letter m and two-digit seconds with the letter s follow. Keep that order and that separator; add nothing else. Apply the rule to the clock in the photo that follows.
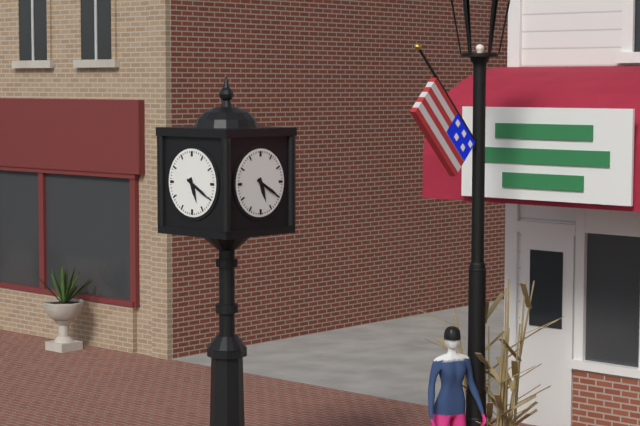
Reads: 5h20
